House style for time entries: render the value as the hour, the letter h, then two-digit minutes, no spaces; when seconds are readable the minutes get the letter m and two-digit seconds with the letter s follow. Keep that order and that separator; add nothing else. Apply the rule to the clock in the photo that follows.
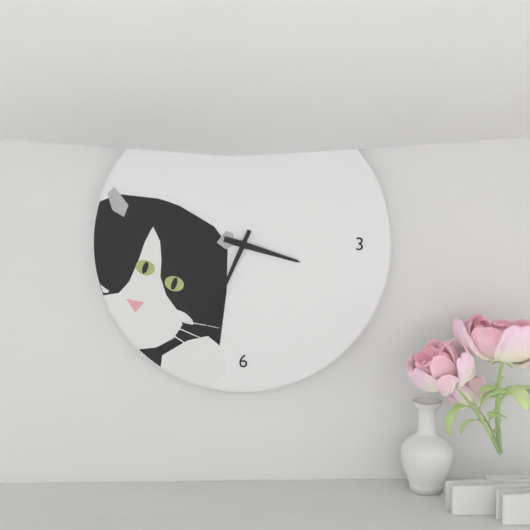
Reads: 3h34
